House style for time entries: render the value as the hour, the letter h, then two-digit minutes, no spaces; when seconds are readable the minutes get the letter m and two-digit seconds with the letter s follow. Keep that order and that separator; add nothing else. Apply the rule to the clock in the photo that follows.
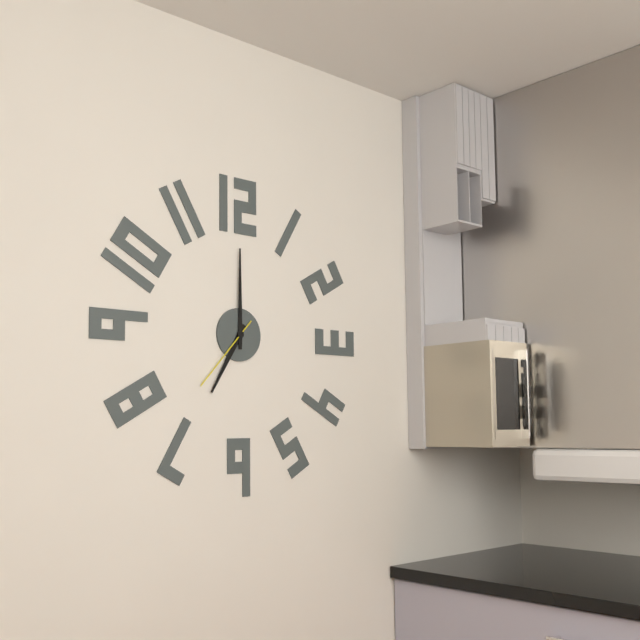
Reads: 7h00m37s
